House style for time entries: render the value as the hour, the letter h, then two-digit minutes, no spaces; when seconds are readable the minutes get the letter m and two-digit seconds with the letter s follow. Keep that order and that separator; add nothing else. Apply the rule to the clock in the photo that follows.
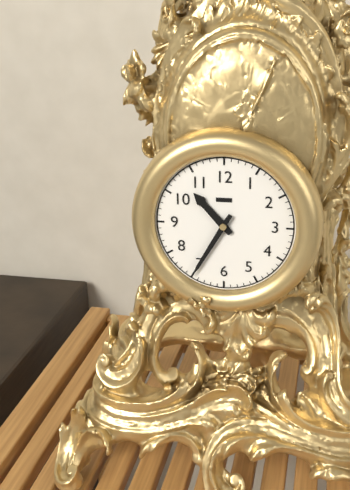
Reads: 10h35
